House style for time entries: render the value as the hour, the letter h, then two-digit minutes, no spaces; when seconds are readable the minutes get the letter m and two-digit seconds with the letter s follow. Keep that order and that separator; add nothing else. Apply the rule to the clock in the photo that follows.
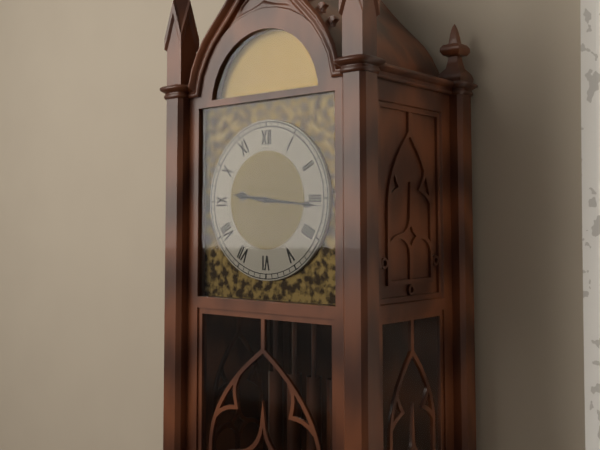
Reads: 9h16
